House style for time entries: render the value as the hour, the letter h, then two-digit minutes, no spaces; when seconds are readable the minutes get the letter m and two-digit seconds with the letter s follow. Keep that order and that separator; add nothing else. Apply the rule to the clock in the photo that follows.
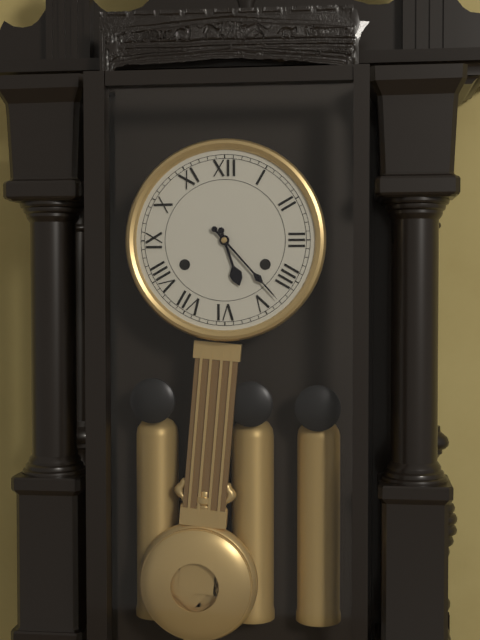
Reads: 5h23
